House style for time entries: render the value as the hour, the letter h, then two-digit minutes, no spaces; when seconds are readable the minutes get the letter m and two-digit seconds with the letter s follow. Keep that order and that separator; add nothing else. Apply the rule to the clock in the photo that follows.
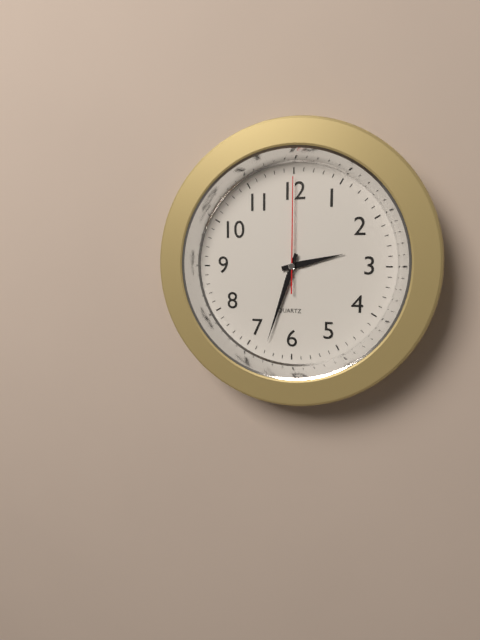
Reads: 2h33m00s
